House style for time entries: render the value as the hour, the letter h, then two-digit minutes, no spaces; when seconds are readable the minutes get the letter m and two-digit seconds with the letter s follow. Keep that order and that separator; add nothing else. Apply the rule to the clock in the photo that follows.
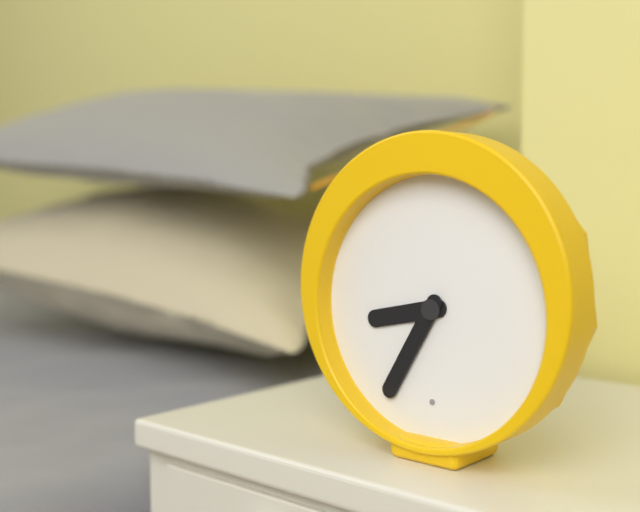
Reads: 8h35
